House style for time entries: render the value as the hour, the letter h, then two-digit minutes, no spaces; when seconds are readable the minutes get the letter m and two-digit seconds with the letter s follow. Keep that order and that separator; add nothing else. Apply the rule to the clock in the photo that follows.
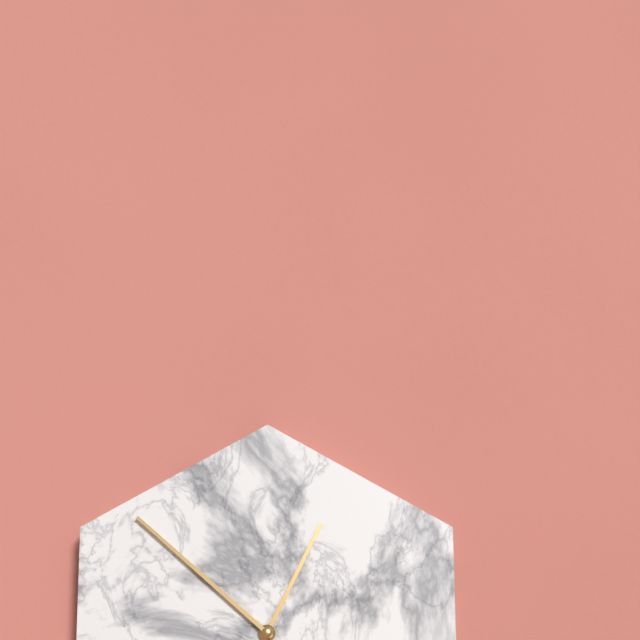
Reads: 12h52
